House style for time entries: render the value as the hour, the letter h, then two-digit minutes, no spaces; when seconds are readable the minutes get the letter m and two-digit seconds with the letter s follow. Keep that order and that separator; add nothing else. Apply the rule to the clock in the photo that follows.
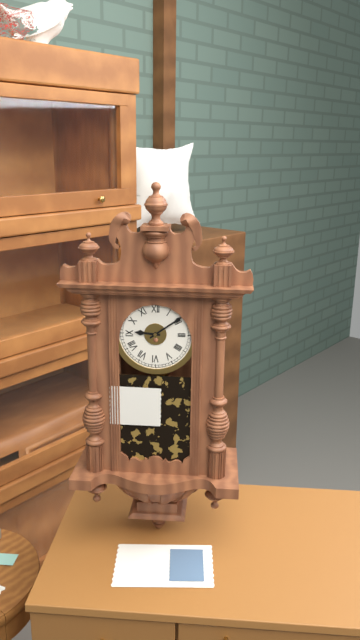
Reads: 9h09
